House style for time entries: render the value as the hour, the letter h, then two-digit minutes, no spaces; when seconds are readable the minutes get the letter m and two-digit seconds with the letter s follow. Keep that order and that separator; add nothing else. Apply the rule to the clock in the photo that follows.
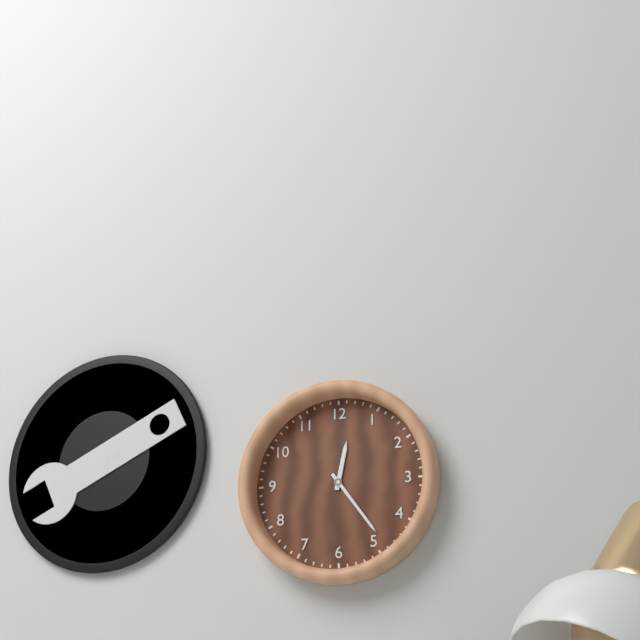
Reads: 12h24
